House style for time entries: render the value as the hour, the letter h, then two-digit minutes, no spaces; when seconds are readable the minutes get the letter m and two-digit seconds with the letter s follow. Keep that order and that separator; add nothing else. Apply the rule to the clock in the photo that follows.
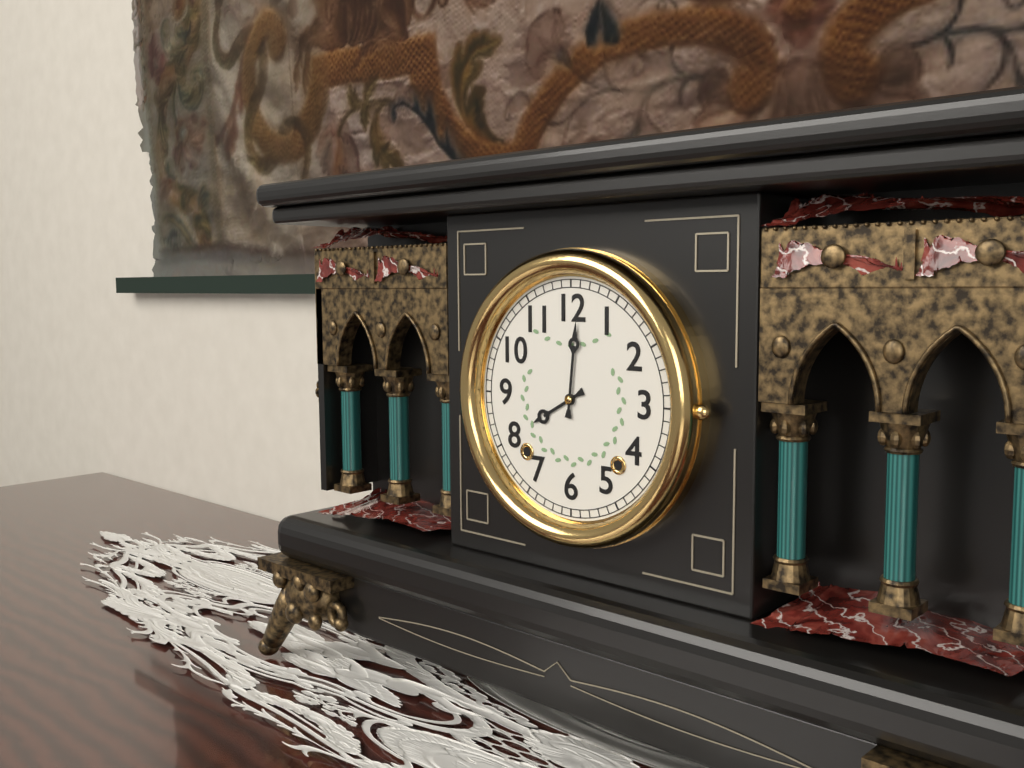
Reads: 8h01
